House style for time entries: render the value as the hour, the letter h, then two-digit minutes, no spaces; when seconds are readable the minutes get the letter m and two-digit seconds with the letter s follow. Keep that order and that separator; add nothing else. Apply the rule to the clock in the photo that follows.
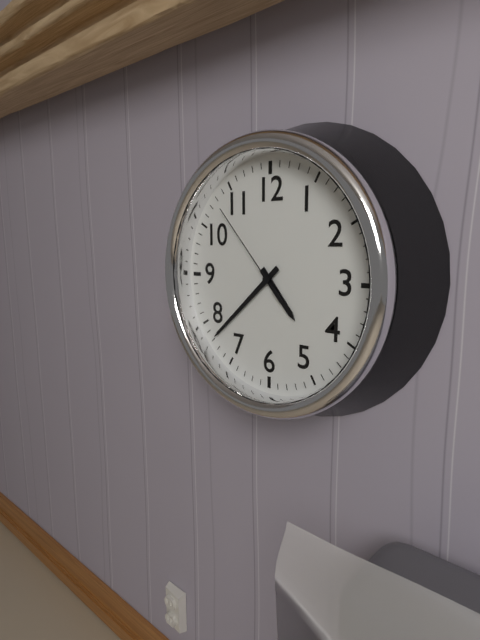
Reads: 4h38m53s
